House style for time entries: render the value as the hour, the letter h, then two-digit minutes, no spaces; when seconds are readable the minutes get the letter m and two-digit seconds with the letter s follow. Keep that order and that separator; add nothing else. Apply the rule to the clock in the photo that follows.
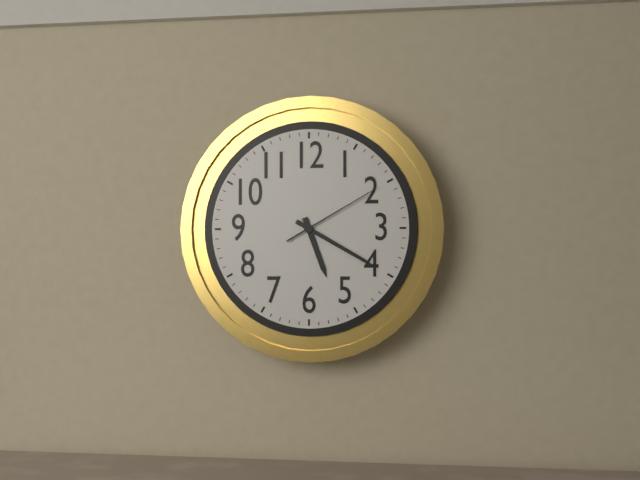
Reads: 5h20m10s
